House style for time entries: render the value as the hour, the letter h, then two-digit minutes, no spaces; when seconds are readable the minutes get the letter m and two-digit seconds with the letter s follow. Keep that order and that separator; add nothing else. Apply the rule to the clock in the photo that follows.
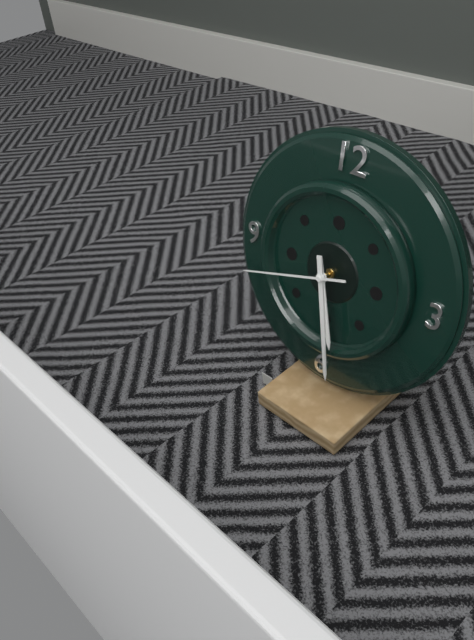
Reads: 5h28m42s
